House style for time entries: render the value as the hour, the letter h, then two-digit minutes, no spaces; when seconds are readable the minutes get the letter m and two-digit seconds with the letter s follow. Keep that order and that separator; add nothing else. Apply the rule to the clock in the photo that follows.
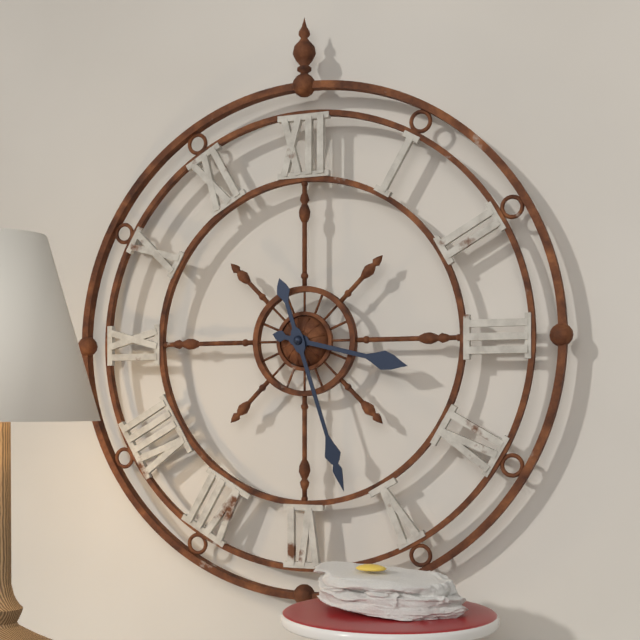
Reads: 3h27
